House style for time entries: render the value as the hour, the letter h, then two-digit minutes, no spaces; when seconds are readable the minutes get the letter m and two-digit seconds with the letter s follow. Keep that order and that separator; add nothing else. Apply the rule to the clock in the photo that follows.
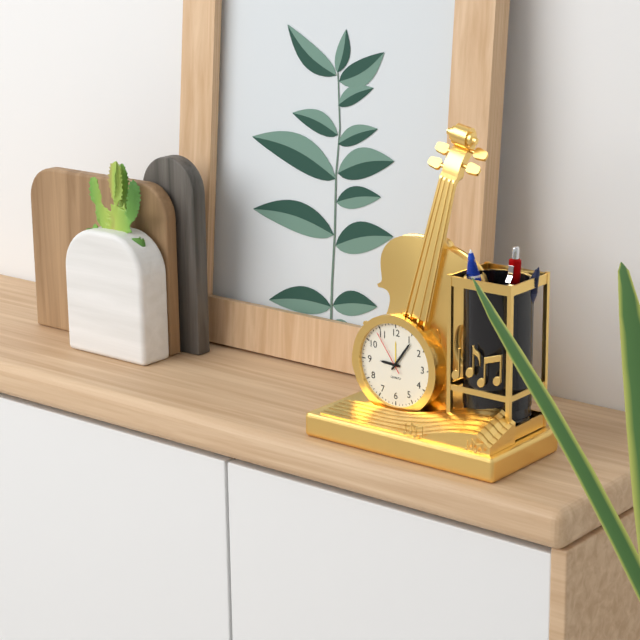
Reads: 9h06
